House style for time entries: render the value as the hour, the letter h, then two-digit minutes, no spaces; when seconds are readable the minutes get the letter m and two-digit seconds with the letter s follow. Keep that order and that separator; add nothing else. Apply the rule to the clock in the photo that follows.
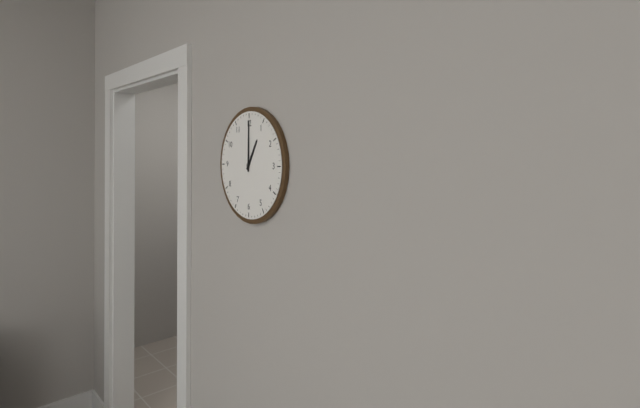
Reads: 1h00
